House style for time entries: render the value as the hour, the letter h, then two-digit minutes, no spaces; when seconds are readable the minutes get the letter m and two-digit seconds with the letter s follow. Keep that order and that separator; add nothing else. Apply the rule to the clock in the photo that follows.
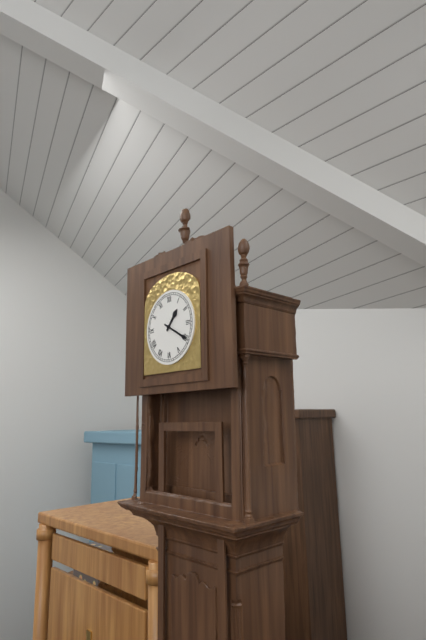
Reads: 1h20
